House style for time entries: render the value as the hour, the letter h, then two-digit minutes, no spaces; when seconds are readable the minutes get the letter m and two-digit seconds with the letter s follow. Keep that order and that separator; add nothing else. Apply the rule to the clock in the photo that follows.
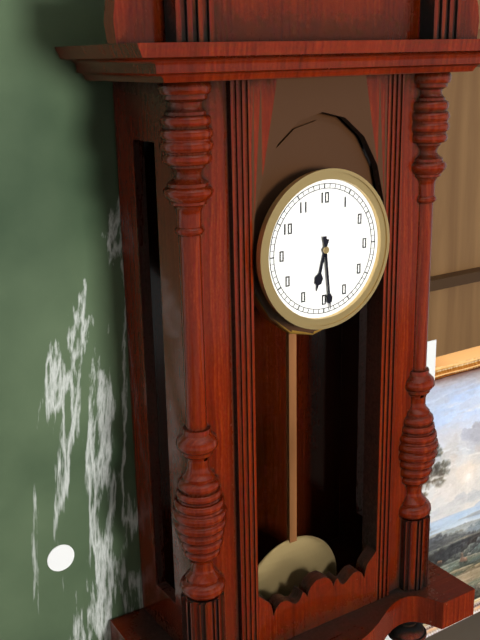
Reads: 6h29
